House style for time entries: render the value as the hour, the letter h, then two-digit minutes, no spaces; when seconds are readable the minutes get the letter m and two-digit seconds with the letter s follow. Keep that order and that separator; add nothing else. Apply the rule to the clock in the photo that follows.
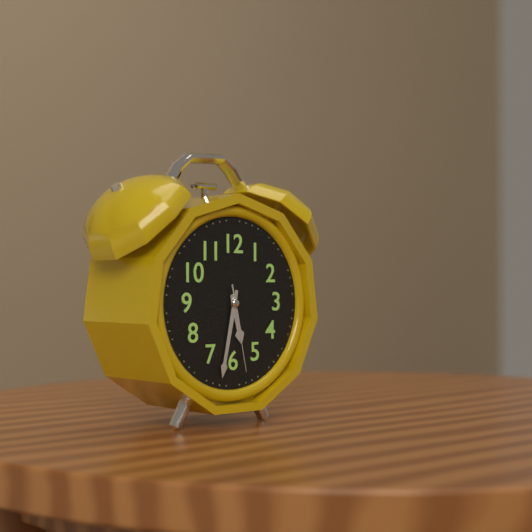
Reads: 5h32m28s
